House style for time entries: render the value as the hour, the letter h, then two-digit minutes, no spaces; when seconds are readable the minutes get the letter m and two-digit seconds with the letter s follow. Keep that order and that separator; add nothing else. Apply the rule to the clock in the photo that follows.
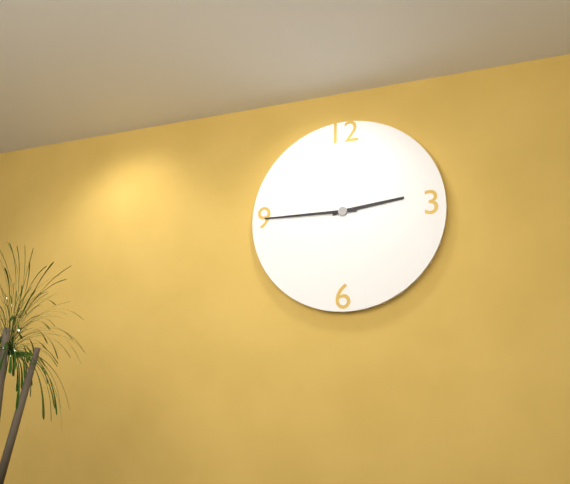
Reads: 2h45
